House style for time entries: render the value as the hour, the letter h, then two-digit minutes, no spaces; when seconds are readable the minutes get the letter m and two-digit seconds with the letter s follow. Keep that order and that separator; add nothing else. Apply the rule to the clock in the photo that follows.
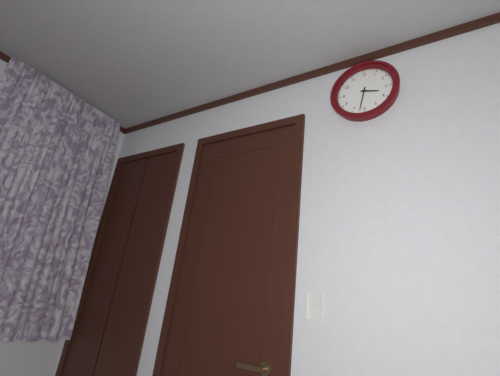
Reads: 3h32
